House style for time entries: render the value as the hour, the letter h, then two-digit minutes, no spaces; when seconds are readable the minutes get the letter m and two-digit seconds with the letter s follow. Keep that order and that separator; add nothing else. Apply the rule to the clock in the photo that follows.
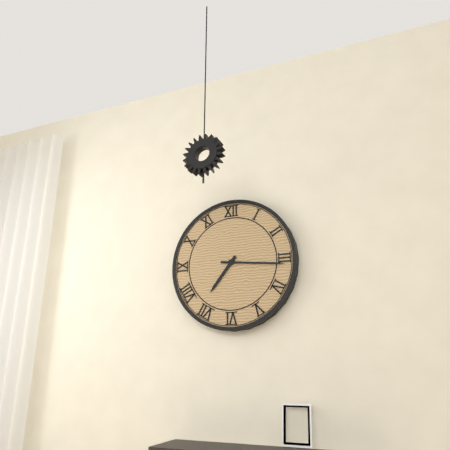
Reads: 7h16
